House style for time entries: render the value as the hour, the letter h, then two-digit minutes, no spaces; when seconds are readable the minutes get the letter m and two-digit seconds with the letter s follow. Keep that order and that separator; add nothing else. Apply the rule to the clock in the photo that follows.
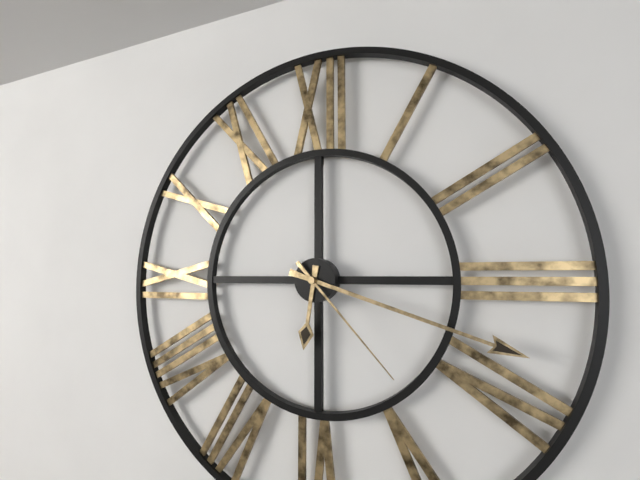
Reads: 6h18m23s
